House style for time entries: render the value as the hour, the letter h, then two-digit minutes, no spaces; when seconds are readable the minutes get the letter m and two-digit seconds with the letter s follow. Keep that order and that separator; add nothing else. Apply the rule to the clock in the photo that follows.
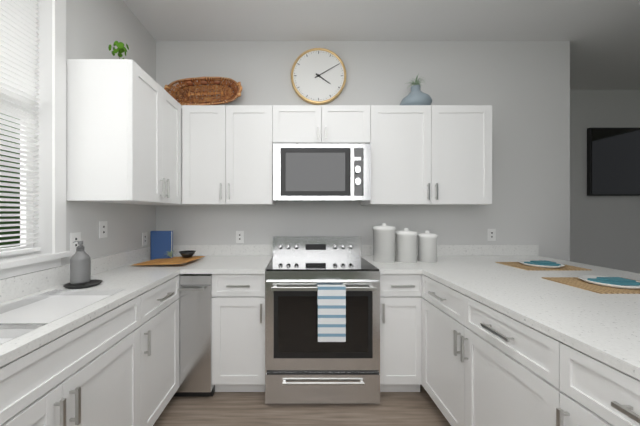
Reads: 4h10
